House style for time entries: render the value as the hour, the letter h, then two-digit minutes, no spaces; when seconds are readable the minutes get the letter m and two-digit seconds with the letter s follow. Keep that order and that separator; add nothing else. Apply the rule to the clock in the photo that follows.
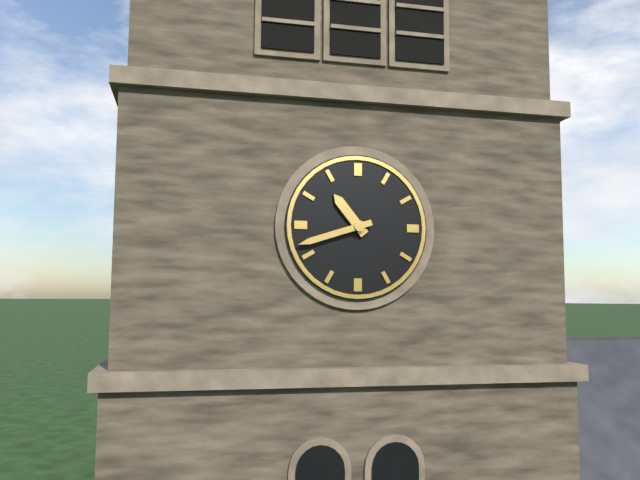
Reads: 10h42
